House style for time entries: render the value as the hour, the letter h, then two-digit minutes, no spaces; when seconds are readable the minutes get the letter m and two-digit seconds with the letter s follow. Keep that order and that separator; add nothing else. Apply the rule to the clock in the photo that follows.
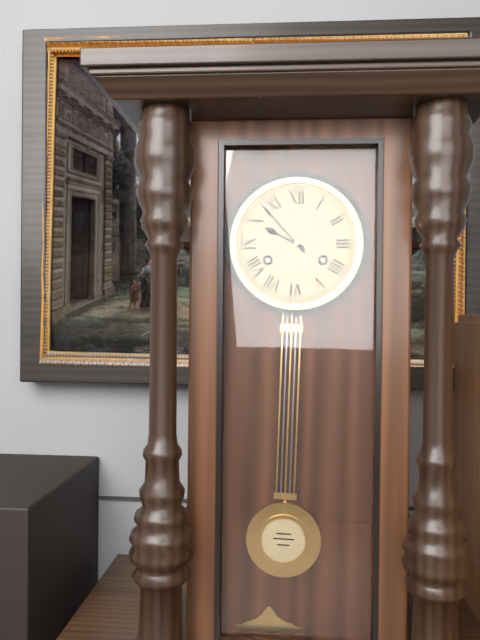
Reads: 9h53
